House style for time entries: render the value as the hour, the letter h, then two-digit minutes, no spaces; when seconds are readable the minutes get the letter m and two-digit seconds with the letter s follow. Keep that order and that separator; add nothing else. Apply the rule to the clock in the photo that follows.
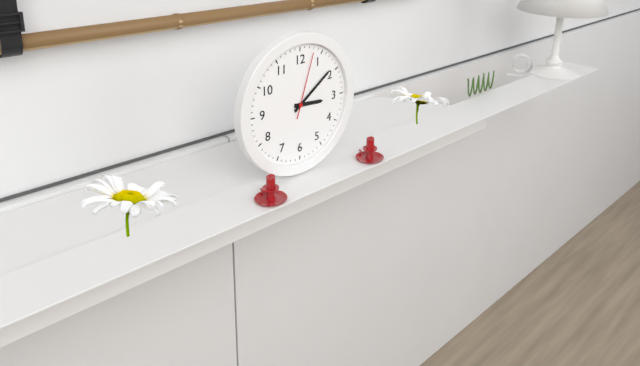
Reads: 3h09m03s
